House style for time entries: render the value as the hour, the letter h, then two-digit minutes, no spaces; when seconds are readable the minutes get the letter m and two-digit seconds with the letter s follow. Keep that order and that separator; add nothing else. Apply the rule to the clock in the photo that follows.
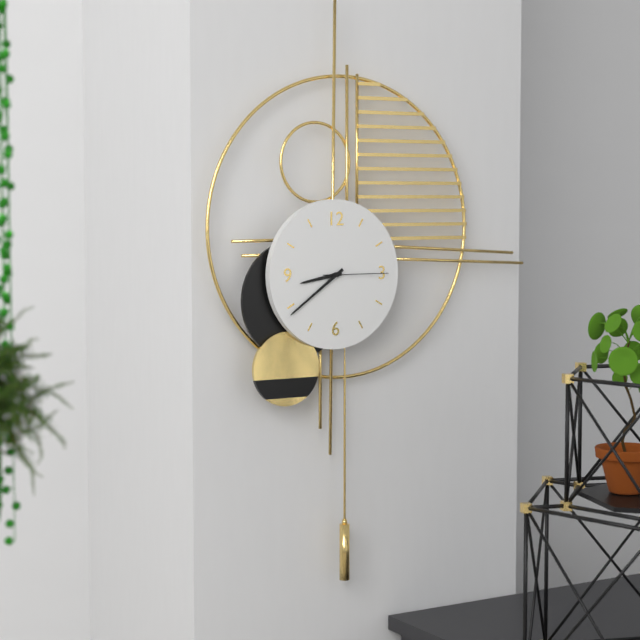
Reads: 8h39m15s
